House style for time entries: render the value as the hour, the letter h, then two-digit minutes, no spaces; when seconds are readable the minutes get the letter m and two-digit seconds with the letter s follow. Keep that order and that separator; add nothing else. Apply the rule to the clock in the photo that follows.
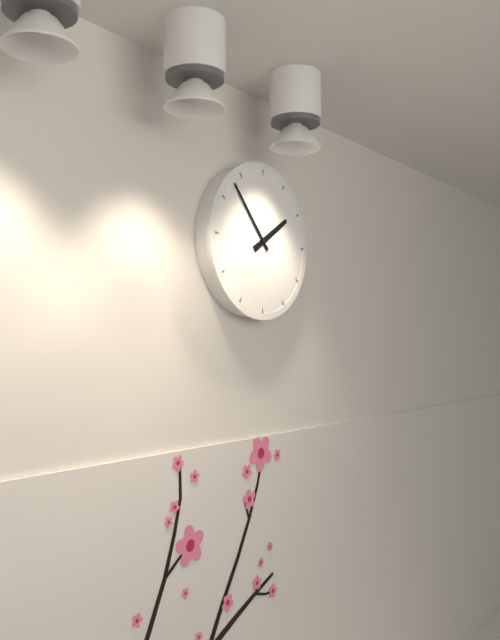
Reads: 1h53
